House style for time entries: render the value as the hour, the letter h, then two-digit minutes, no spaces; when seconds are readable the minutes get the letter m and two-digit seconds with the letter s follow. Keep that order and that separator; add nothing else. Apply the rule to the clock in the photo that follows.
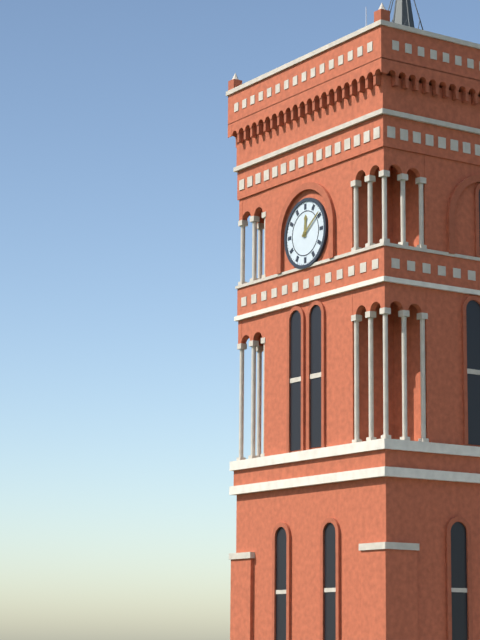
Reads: 12h09
